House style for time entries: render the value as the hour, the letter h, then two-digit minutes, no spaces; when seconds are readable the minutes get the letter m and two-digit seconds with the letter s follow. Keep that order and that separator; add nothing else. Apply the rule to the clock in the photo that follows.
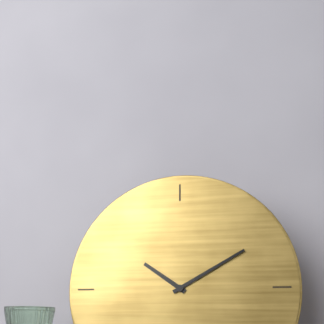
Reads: 10h10
